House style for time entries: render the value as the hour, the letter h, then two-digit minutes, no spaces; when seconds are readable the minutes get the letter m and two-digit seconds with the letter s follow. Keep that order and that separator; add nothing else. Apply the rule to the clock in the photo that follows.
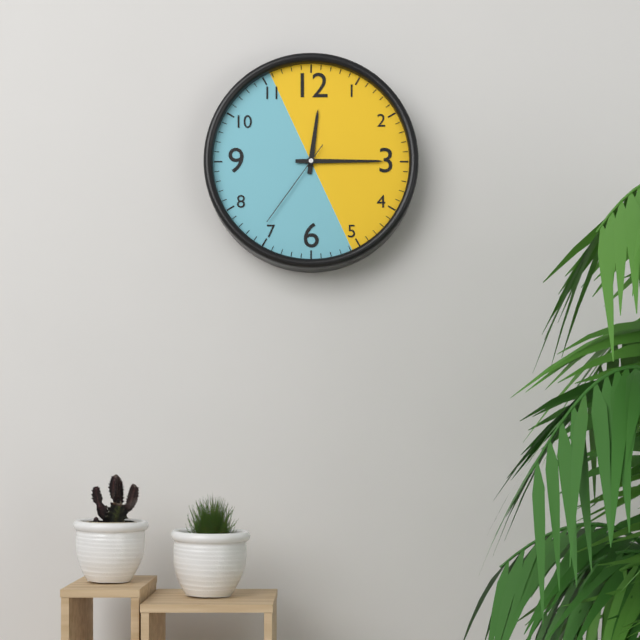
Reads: 12h15m36s
